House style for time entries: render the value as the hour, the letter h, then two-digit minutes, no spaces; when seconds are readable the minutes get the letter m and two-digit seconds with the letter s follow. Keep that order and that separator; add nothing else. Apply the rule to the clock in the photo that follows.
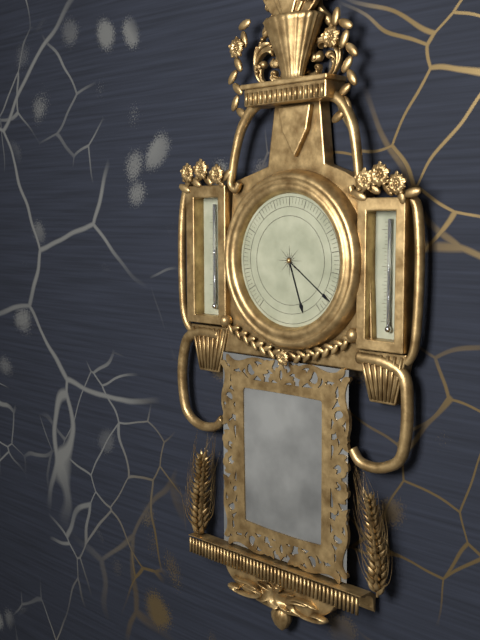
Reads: 5h21
